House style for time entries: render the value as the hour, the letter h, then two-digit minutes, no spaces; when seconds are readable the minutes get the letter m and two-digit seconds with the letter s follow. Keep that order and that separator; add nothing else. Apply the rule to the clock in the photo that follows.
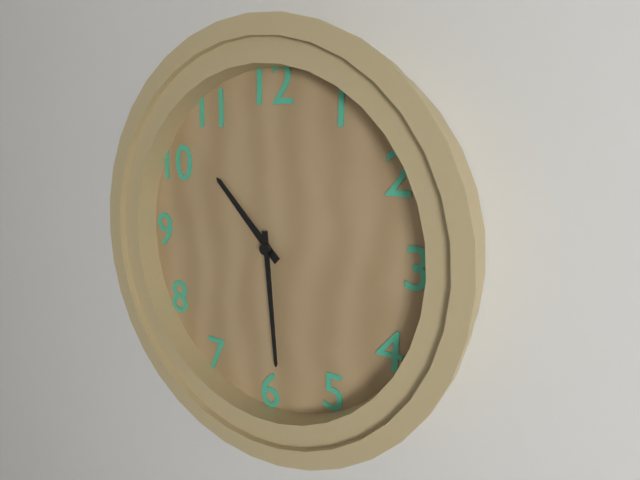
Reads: 10h29
